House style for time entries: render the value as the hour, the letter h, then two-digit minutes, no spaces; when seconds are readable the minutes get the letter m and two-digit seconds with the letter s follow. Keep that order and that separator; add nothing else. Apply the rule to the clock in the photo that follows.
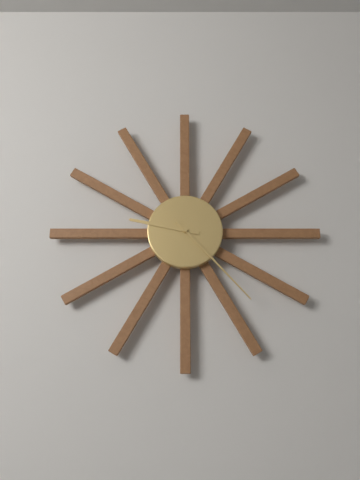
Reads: 9h23
